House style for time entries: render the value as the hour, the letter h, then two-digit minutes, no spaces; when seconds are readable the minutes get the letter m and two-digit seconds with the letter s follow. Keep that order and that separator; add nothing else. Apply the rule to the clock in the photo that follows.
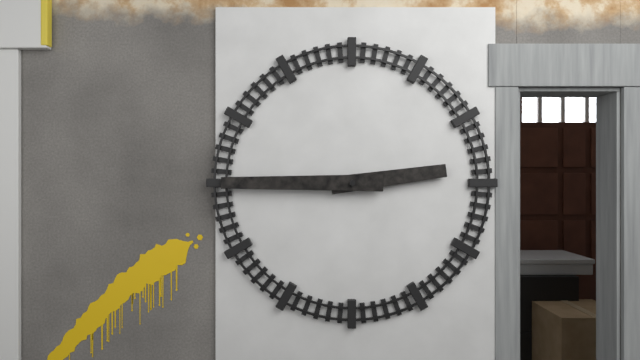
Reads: 2h45
